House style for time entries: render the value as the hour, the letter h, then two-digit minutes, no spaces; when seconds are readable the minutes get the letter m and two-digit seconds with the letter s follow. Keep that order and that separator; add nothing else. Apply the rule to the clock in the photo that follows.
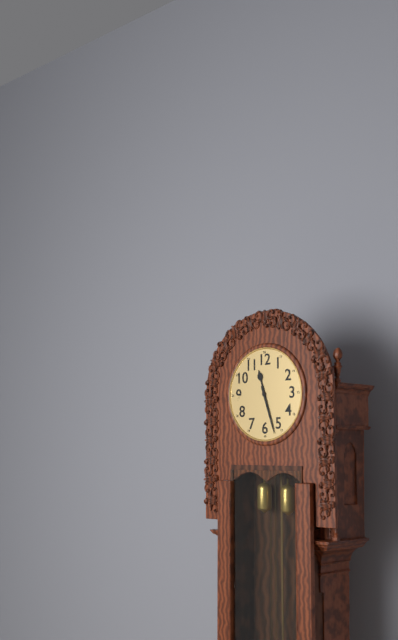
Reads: 11h27
